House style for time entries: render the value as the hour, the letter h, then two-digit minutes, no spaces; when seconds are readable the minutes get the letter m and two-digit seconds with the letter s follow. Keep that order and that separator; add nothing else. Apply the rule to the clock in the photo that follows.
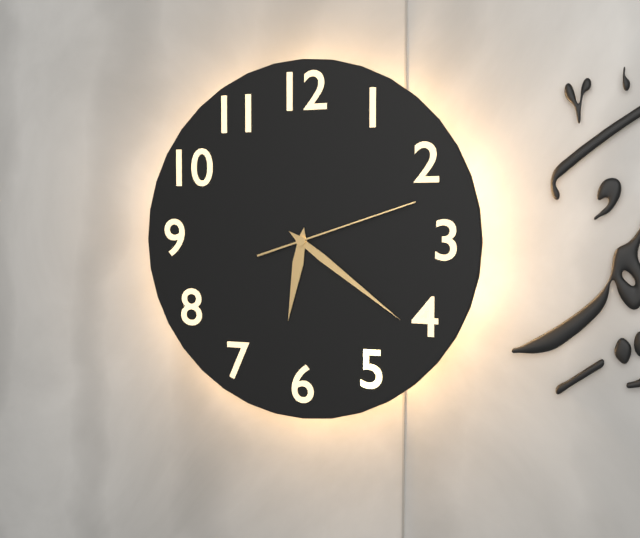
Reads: 6h21m12s
